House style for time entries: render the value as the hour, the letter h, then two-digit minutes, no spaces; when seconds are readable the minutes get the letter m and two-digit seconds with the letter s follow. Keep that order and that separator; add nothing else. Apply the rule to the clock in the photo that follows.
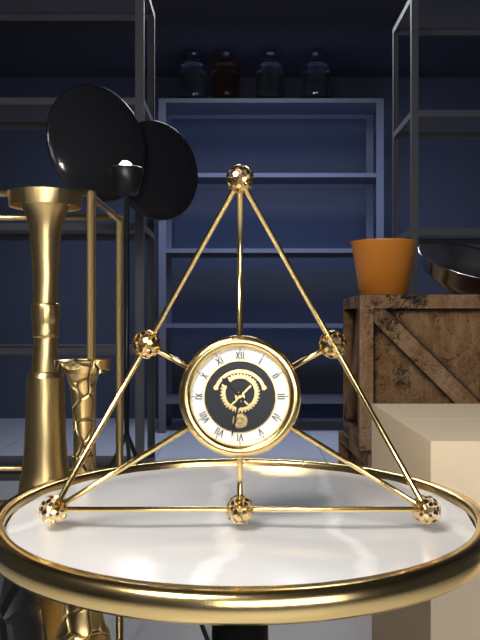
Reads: 10h32
